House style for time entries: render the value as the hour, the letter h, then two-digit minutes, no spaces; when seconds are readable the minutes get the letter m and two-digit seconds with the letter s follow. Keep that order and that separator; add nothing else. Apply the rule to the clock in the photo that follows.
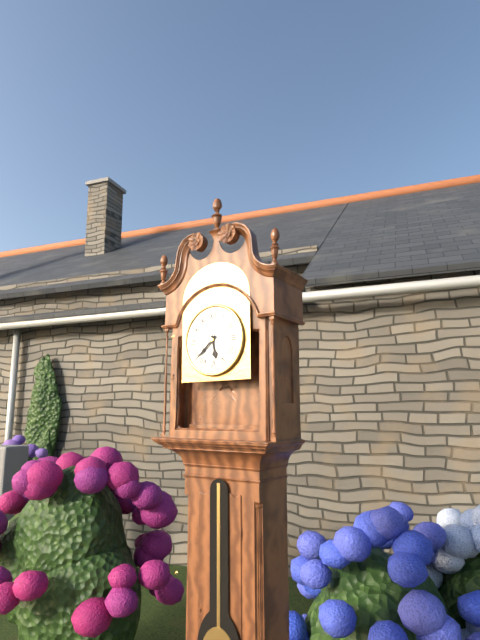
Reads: 5h38
